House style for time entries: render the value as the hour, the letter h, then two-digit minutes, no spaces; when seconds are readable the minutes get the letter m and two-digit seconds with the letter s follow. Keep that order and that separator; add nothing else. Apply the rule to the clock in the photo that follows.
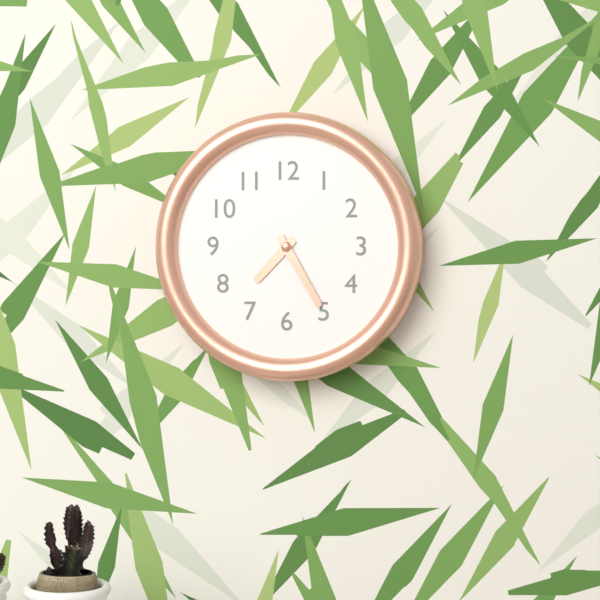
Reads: 7h25
